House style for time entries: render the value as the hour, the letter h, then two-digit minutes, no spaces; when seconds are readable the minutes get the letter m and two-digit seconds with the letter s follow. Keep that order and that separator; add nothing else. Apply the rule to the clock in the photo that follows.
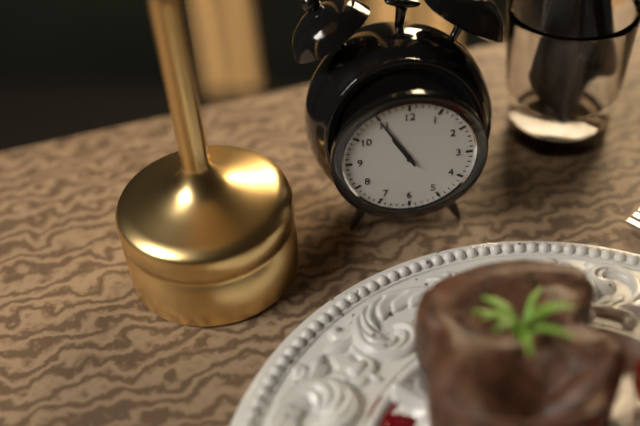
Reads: 10h55
